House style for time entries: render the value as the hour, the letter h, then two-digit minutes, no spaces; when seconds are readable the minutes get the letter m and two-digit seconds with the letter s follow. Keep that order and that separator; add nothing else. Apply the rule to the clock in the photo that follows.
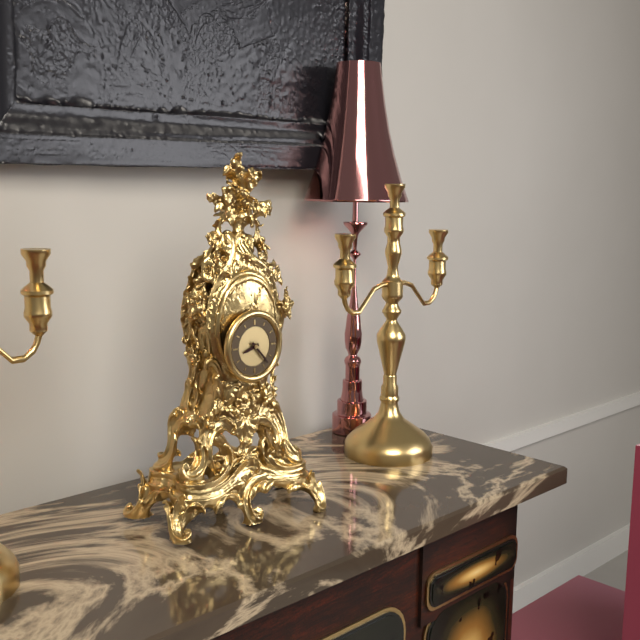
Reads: 8h23
